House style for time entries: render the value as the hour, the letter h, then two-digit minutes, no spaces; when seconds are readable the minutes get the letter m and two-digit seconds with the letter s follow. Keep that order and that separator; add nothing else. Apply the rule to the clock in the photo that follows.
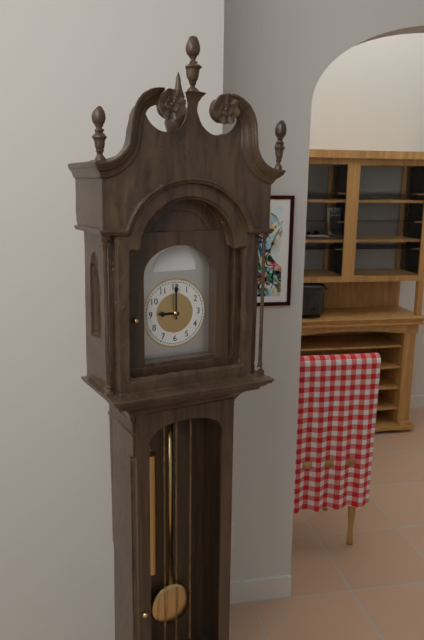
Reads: 9h00
